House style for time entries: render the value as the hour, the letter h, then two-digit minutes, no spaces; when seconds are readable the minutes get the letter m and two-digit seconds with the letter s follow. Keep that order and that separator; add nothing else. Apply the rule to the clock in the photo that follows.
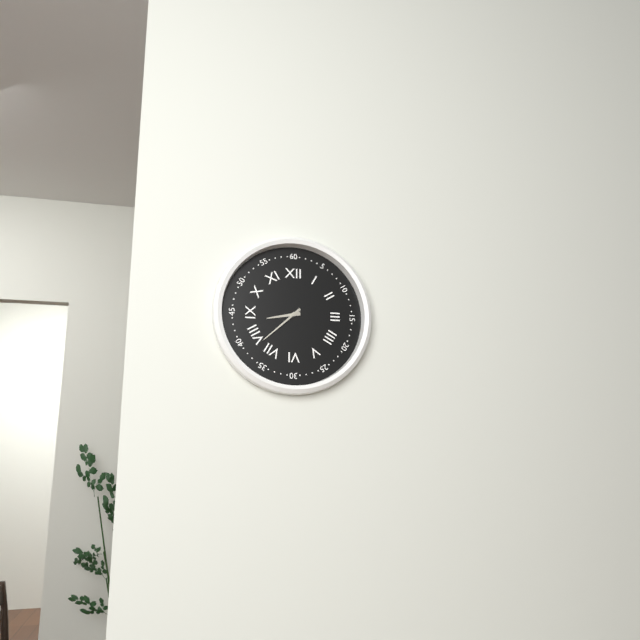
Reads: 8h38
